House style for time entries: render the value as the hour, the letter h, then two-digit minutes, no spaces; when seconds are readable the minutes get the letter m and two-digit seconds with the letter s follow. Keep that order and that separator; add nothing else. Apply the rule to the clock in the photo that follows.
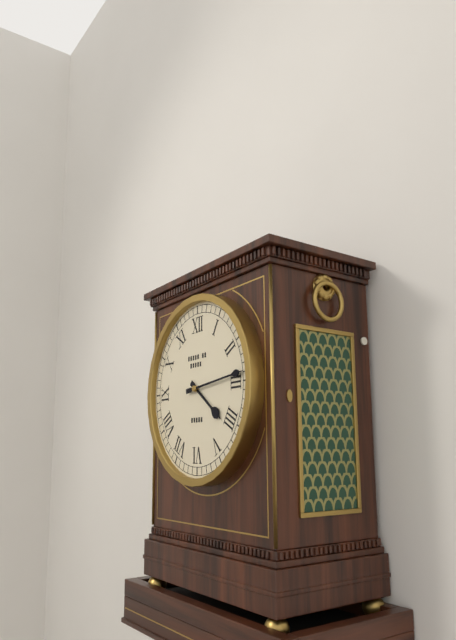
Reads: 4h14
